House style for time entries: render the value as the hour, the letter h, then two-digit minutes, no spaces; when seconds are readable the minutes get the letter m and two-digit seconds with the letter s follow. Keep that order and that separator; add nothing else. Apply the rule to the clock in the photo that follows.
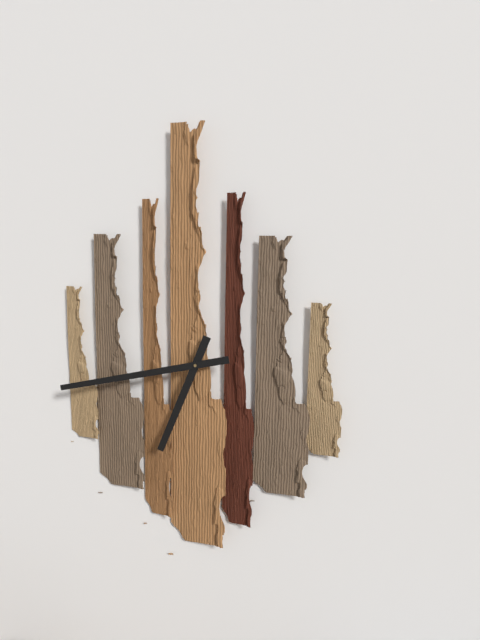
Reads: 6h43
